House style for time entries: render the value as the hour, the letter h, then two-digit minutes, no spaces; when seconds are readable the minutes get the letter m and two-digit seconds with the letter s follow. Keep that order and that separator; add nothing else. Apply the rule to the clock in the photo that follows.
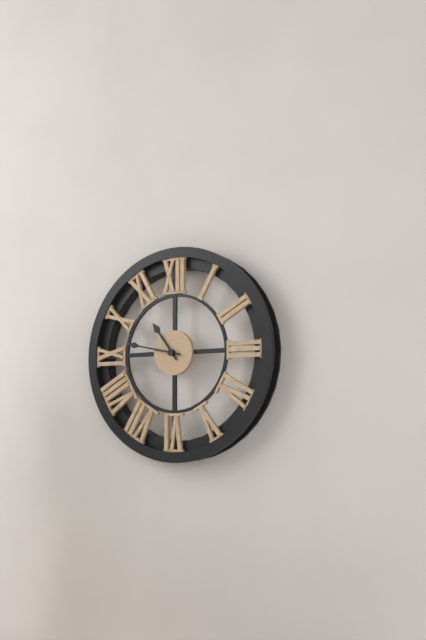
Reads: 10h47
